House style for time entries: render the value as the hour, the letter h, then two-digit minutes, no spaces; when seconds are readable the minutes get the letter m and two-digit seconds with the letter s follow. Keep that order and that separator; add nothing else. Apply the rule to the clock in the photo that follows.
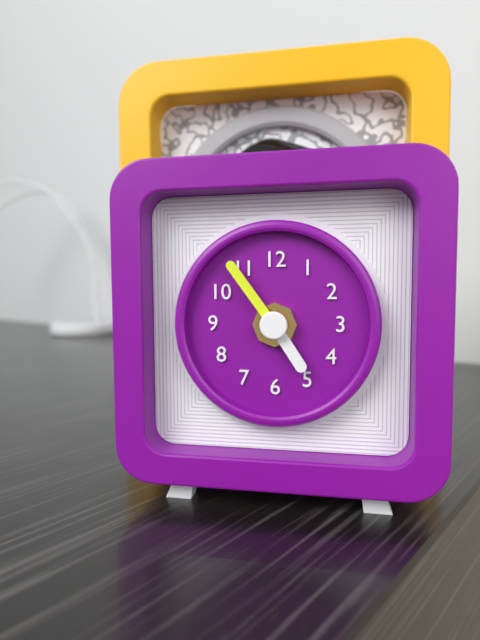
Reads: 4h54
